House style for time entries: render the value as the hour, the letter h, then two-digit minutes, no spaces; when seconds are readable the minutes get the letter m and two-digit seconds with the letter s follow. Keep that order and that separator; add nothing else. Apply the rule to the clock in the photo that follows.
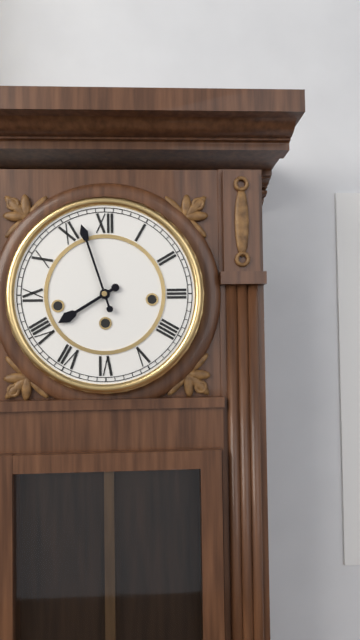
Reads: 7h57
